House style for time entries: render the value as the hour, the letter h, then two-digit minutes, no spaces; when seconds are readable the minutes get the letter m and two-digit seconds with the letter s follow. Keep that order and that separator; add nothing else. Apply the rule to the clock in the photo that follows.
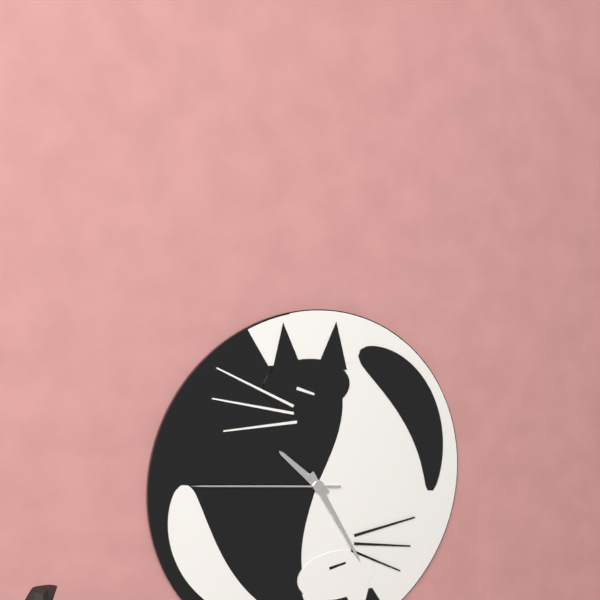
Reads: 10h25m46s
